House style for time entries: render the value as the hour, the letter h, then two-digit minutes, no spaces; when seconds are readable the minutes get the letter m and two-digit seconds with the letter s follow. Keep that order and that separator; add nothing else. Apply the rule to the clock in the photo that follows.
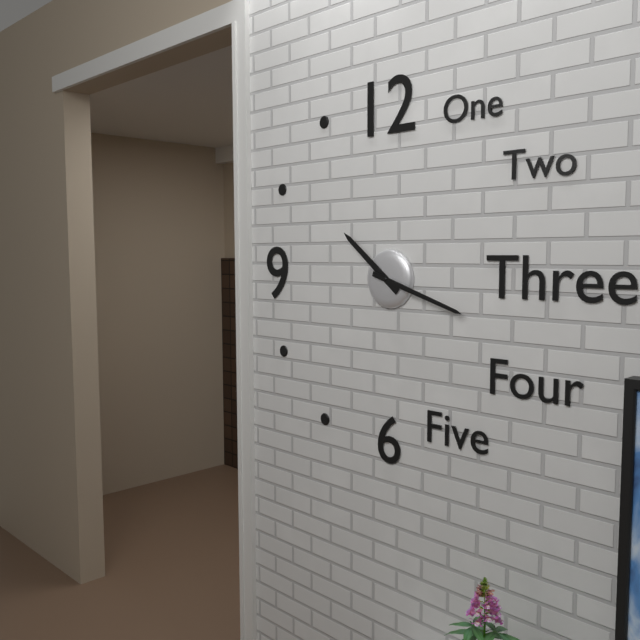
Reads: 10h18
